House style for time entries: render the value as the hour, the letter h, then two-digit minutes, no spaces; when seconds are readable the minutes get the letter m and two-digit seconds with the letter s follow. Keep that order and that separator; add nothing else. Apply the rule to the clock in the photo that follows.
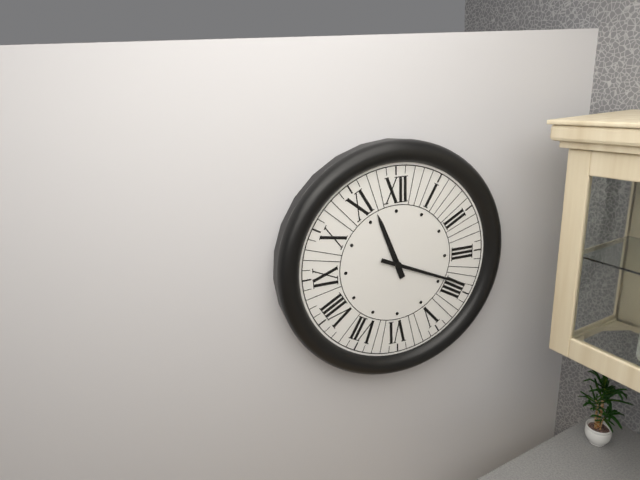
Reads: 11h19
